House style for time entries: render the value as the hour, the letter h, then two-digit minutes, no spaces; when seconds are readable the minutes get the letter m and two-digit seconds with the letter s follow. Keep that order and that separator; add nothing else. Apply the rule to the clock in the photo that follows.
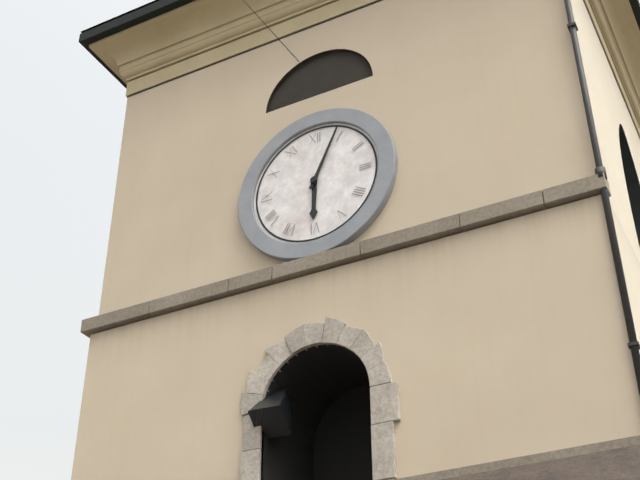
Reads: 6h04
